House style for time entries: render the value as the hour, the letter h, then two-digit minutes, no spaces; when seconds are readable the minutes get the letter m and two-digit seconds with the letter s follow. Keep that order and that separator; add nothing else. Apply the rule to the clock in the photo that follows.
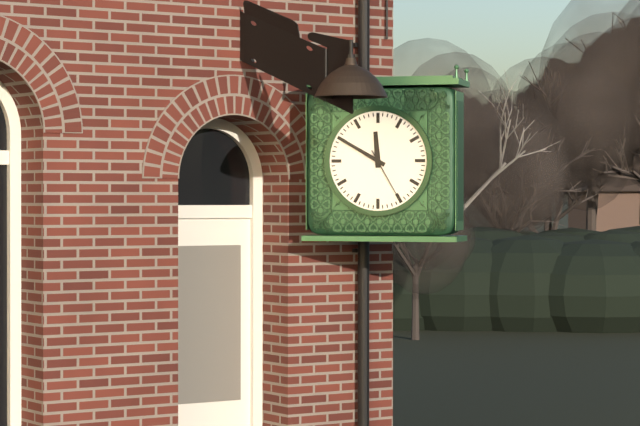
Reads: 11h50
